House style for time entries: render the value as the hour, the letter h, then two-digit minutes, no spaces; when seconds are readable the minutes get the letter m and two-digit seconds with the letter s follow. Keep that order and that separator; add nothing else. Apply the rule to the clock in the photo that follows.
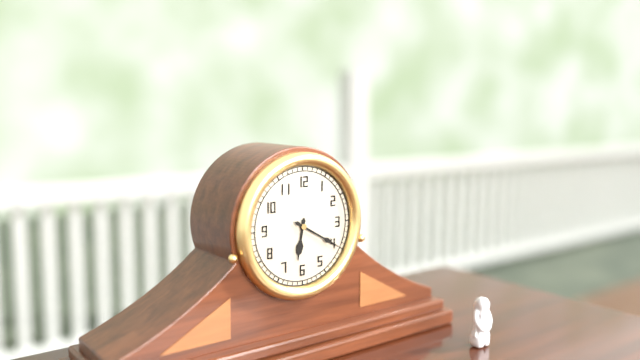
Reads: 6h20
